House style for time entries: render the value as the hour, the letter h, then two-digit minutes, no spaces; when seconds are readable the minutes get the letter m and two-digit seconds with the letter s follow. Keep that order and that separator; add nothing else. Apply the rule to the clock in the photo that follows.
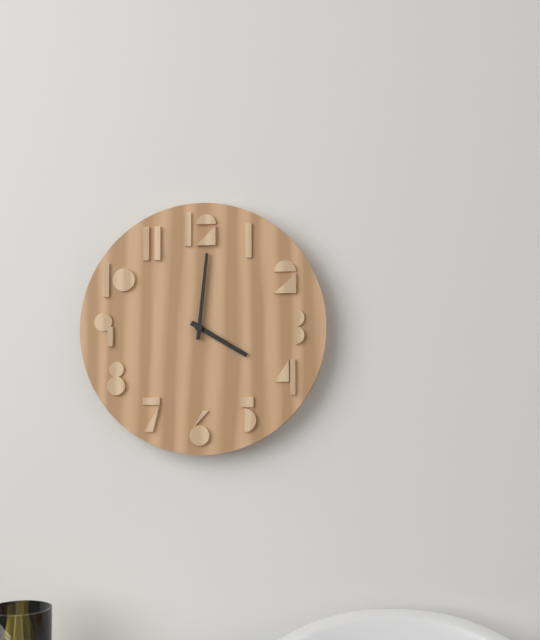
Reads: 4h01
